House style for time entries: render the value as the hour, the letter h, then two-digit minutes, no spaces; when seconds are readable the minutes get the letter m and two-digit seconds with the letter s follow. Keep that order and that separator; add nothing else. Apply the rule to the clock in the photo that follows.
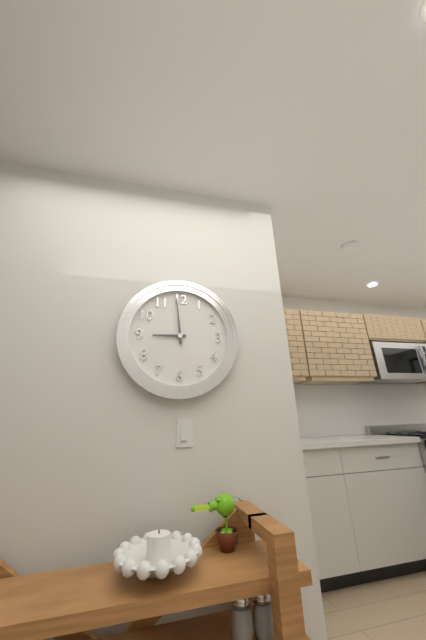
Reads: 8h59
